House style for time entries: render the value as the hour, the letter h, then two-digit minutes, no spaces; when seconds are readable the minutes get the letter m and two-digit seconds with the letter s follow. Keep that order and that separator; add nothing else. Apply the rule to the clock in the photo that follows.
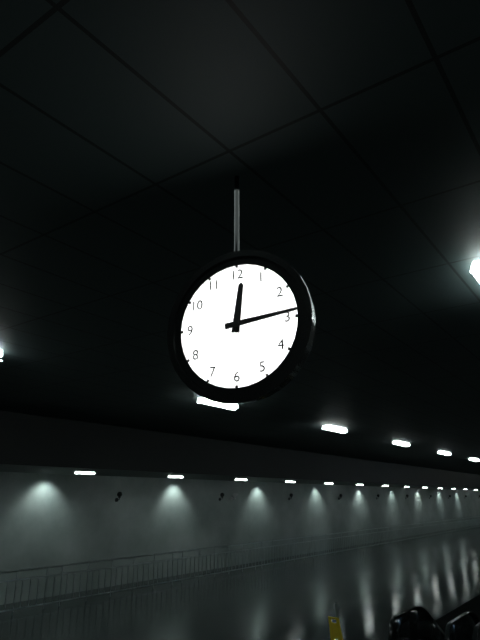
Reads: 12h14
